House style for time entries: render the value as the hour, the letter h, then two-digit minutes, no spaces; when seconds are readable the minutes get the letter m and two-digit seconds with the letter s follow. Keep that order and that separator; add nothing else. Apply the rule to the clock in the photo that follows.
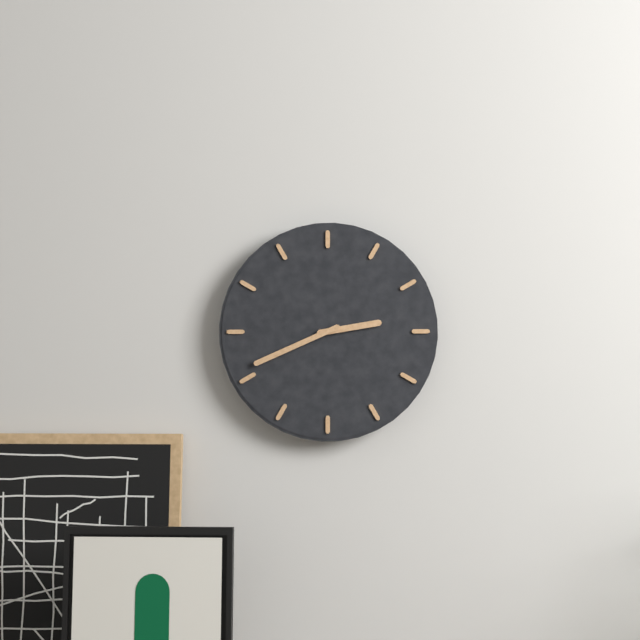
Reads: 2h41
